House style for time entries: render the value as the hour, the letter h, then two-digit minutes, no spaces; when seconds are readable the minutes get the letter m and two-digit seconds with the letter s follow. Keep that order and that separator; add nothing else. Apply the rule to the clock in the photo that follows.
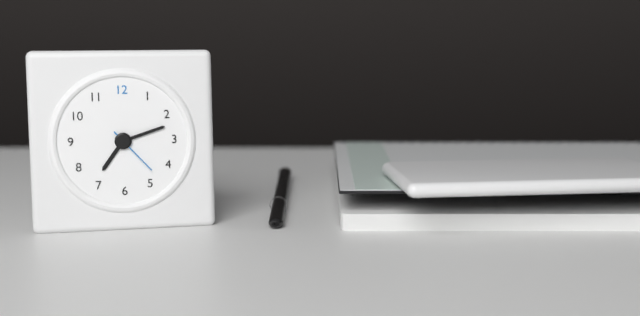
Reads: 7h12m23s
